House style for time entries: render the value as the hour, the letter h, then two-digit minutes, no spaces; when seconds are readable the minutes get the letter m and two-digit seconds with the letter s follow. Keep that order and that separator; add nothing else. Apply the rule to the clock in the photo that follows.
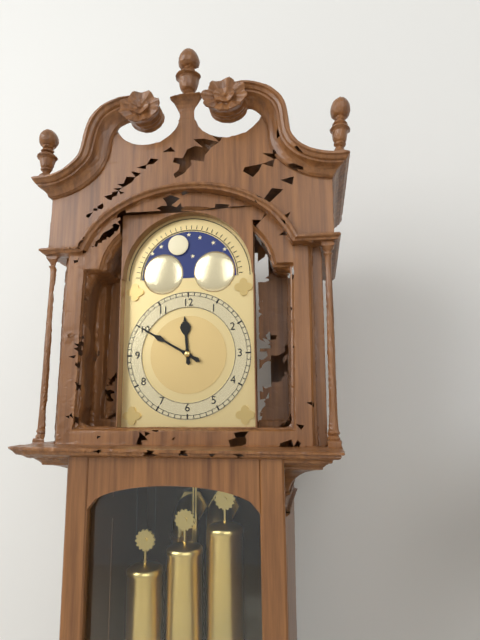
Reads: 11h50
